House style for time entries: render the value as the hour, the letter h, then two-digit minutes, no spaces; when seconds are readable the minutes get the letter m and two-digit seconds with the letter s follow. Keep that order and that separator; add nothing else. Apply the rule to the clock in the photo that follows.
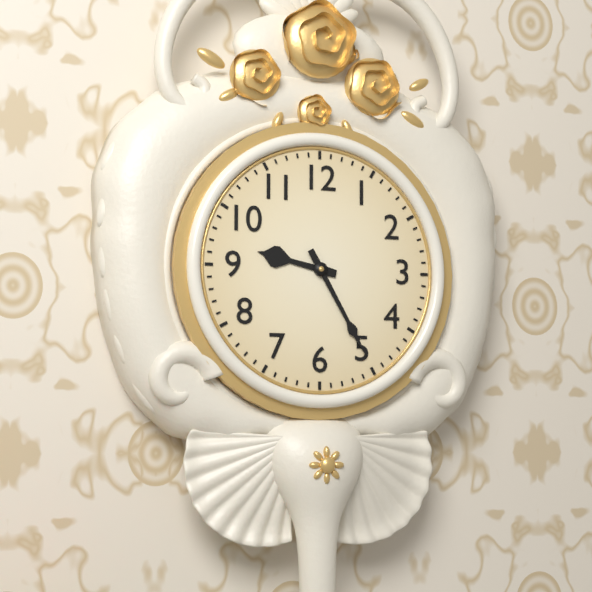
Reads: 9h25
